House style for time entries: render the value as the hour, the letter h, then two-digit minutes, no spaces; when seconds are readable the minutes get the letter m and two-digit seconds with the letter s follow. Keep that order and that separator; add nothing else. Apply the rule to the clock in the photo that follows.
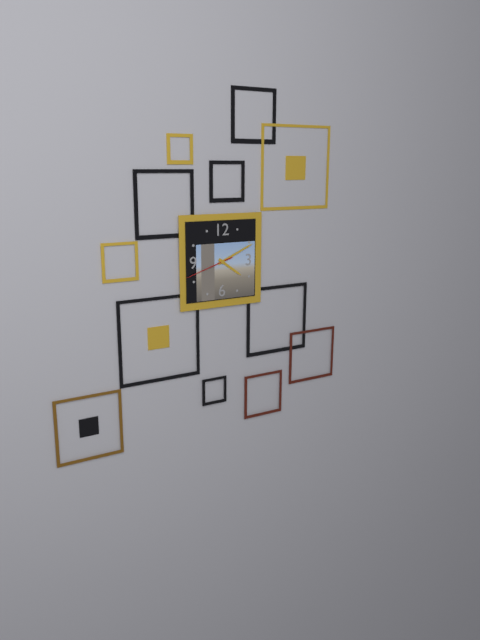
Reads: 4h11
